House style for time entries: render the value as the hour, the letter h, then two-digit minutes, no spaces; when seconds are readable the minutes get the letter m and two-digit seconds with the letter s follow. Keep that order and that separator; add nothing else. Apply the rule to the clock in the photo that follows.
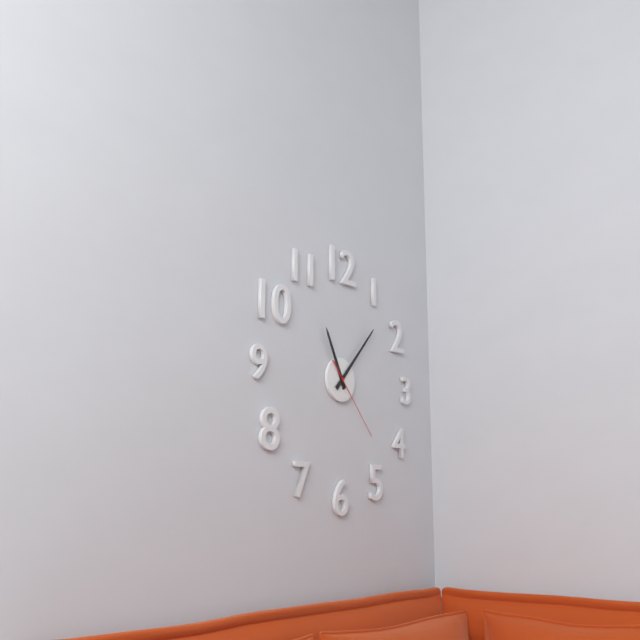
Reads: 11h07m23s
